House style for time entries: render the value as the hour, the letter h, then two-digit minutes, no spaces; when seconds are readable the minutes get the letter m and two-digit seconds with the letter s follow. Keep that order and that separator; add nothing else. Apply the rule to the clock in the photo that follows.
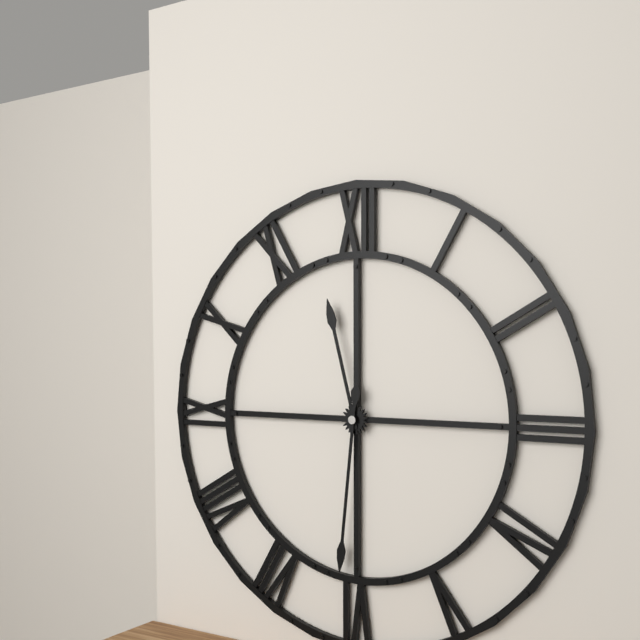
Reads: 11h31
